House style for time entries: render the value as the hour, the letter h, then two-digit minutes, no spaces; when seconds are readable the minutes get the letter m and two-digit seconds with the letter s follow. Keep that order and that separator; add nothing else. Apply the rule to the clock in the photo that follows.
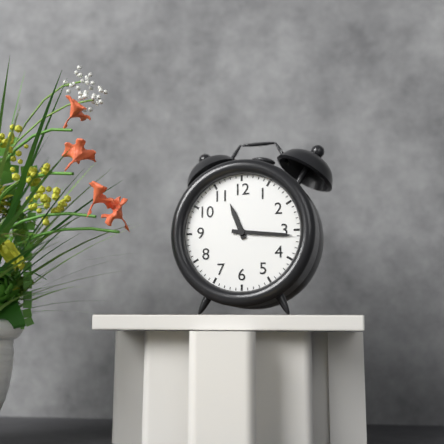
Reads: 11h16
